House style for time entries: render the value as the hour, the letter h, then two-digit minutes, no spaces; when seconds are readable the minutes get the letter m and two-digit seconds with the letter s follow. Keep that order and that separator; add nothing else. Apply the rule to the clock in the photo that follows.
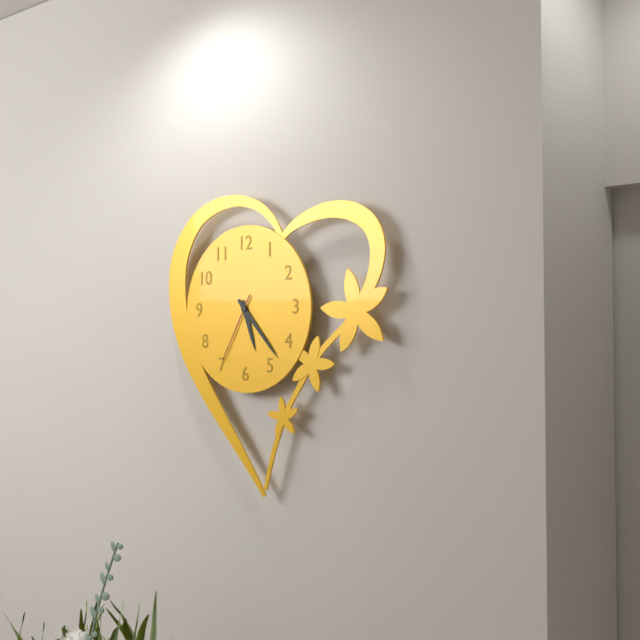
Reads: 5h23m35s
